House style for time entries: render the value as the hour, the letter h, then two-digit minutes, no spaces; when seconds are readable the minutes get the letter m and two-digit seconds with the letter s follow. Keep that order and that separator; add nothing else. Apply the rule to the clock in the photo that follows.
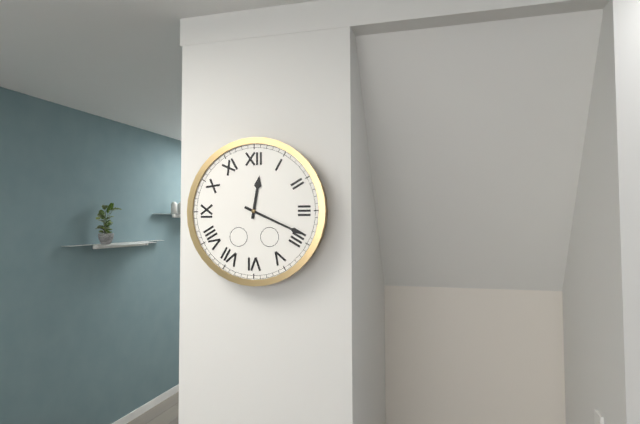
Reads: 12h19
